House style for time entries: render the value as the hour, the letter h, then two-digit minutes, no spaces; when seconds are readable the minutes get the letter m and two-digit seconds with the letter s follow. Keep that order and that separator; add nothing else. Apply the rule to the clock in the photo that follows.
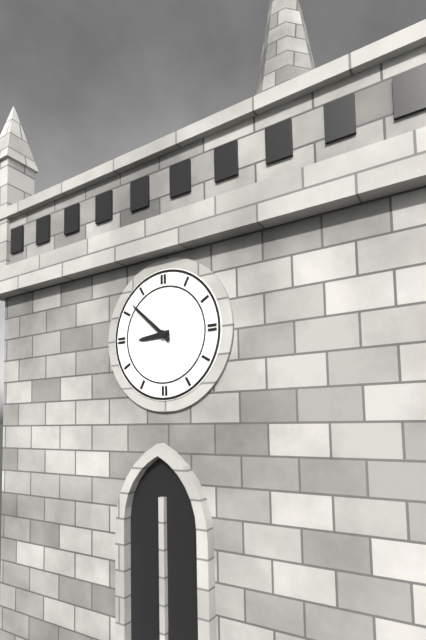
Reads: 8h52
